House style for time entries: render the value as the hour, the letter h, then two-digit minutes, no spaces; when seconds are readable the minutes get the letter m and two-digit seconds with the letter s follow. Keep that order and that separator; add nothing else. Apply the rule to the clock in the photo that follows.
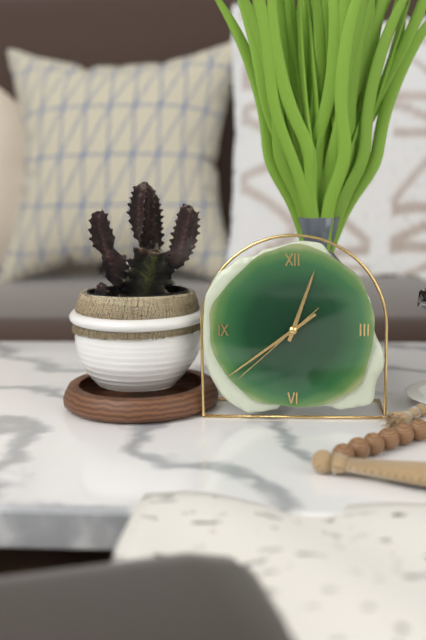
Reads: 12h39m38s
